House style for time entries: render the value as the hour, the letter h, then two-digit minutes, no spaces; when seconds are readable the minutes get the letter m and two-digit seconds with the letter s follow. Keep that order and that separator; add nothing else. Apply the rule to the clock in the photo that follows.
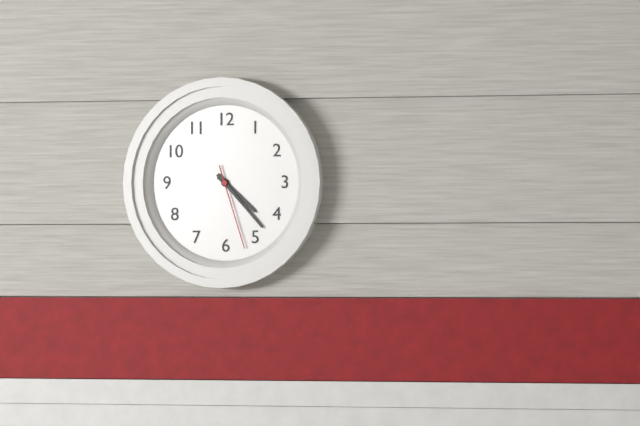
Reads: 4h23m27s
